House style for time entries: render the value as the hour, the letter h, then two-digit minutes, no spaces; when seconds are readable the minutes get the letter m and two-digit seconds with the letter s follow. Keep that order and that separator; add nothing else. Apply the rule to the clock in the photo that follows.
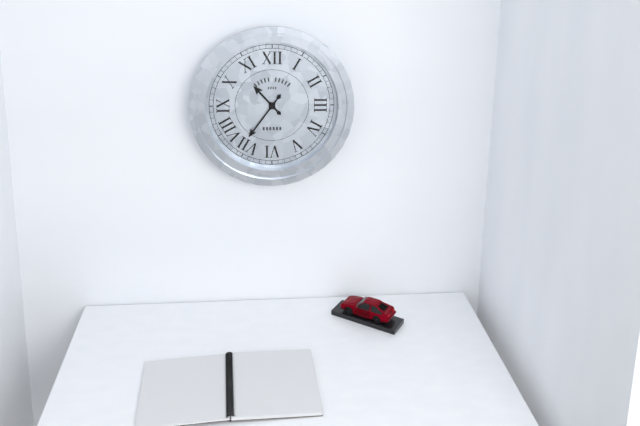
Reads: 10h36
